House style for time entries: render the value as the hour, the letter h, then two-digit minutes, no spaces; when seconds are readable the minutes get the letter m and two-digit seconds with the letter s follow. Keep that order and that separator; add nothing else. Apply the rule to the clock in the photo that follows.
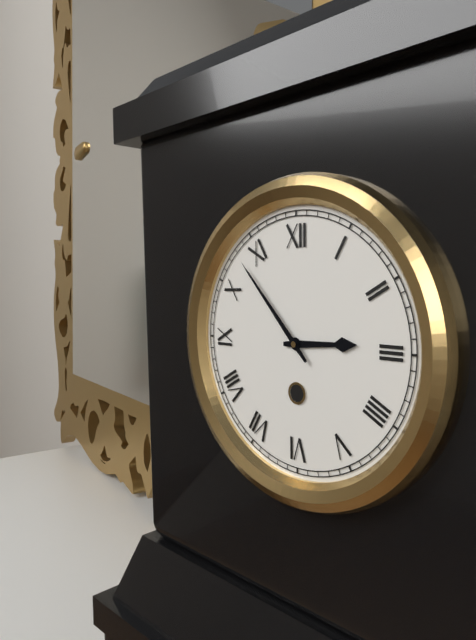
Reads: 2h53
